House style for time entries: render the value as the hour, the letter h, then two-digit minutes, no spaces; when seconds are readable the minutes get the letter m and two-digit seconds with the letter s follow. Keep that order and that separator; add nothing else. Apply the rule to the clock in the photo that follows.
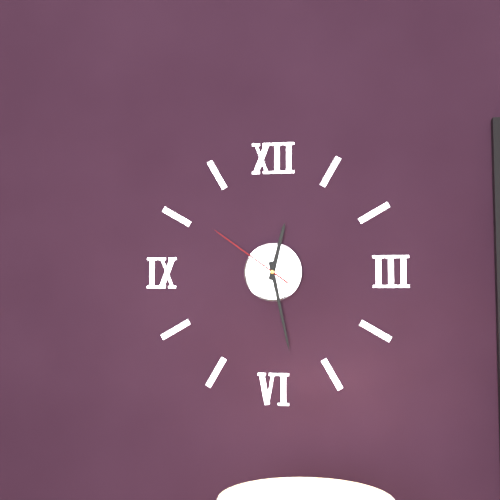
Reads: 12h28m51s
